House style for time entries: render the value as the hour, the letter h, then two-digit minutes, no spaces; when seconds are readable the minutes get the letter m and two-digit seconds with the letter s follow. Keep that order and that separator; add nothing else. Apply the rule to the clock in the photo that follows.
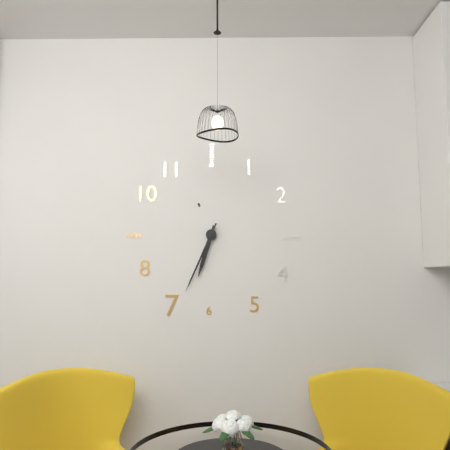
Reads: 6h34
